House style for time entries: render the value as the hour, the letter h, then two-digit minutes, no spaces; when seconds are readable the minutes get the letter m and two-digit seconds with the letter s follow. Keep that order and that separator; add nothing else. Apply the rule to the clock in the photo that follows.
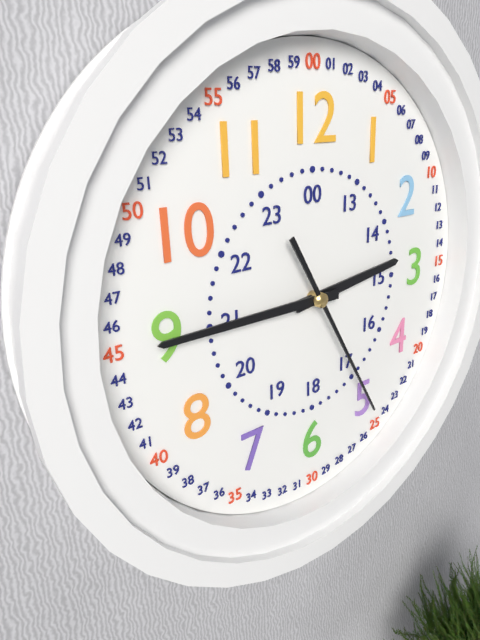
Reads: 2h45m25s
